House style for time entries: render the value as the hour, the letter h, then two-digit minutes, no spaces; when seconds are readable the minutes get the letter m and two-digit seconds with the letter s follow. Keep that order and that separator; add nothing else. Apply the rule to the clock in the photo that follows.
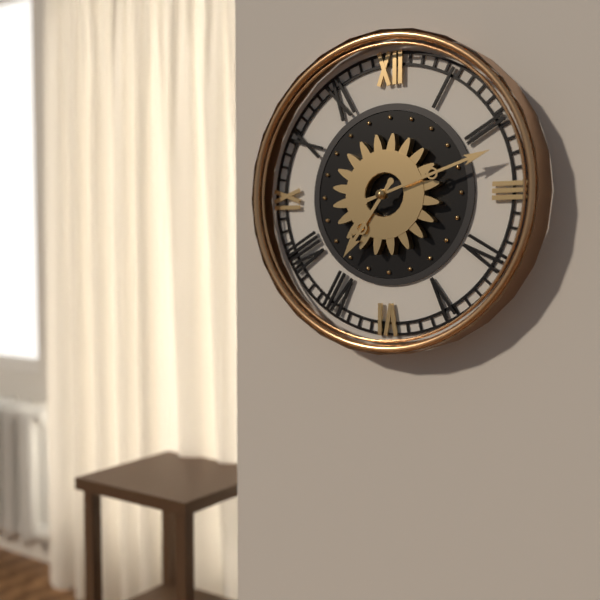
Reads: 7h12
